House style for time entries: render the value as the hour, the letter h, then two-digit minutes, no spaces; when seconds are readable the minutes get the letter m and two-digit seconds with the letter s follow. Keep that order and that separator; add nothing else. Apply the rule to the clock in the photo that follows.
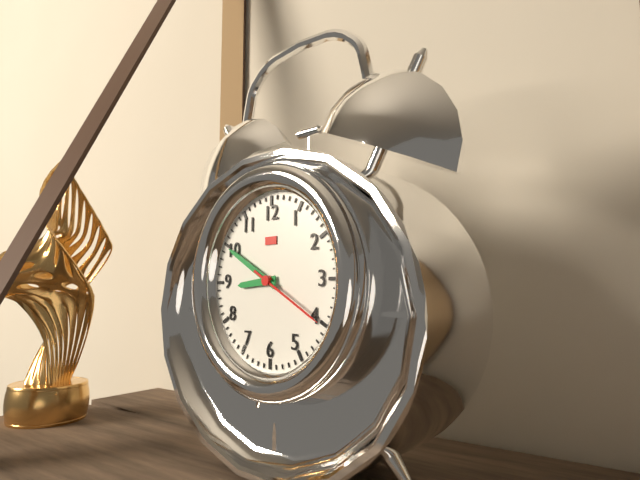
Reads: 8h50m20s
